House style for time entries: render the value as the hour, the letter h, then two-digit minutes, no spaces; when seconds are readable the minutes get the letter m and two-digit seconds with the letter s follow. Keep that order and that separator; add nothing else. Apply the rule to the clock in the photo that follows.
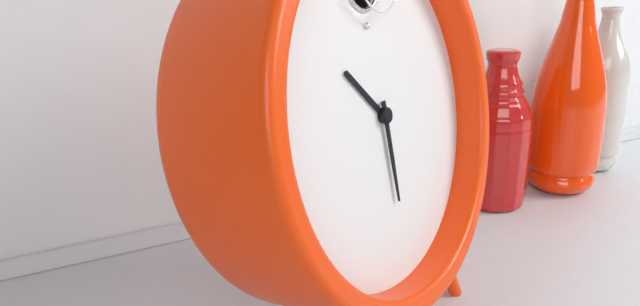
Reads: 10h30
